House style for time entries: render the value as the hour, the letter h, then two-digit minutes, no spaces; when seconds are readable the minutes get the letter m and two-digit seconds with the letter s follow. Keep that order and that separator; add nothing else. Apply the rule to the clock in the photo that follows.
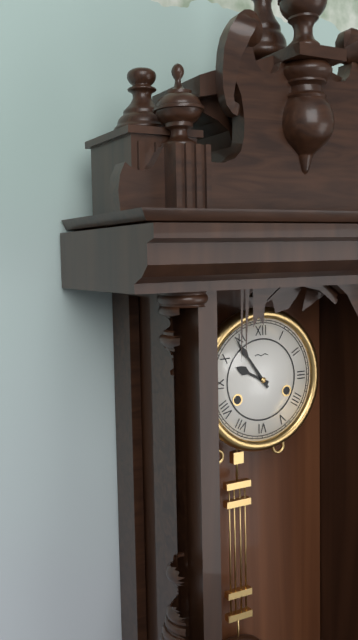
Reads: 9h54
